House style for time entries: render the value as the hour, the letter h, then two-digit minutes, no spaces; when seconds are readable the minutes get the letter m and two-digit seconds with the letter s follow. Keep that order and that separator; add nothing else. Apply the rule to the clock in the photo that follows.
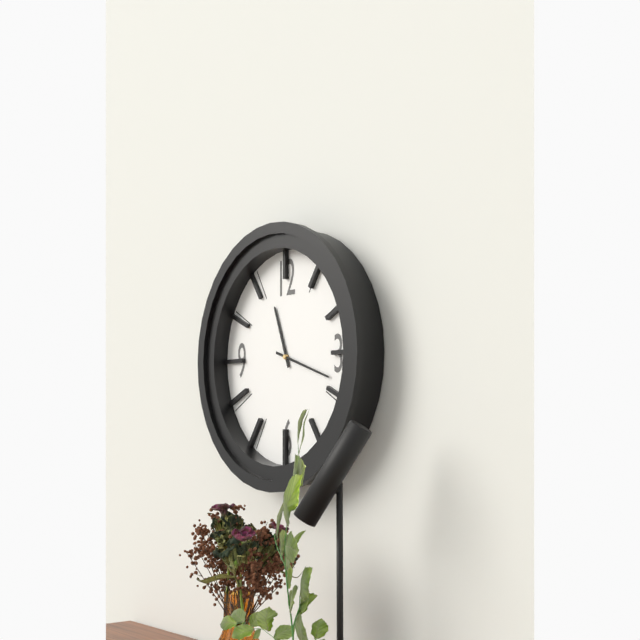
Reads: 11h18
